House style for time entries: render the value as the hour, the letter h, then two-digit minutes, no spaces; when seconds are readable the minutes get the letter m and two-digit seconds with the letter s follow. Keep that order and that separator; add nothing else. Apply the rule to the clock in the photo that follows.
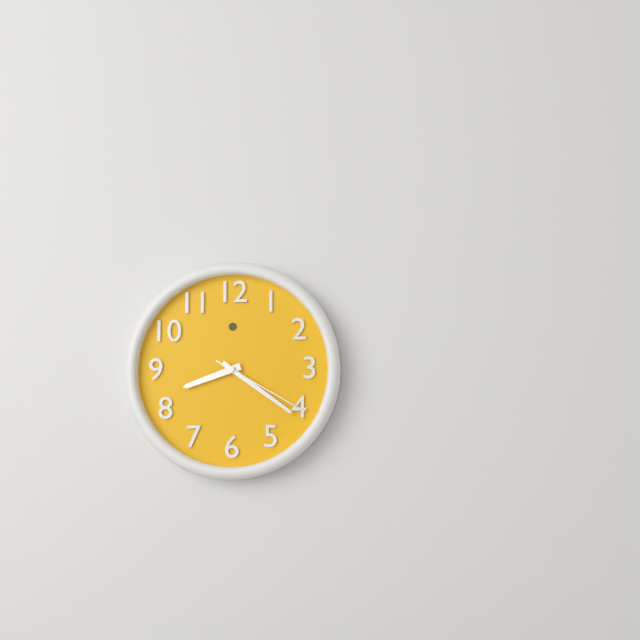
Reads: 8h21m20s
